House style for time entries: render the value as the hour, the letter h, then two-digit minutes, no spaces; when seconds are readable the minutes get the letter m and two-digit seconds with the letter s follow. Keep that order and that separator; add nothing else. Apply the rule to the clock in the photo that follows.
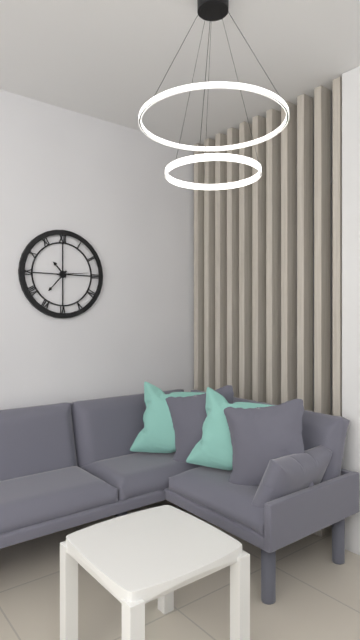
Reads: 10h37
